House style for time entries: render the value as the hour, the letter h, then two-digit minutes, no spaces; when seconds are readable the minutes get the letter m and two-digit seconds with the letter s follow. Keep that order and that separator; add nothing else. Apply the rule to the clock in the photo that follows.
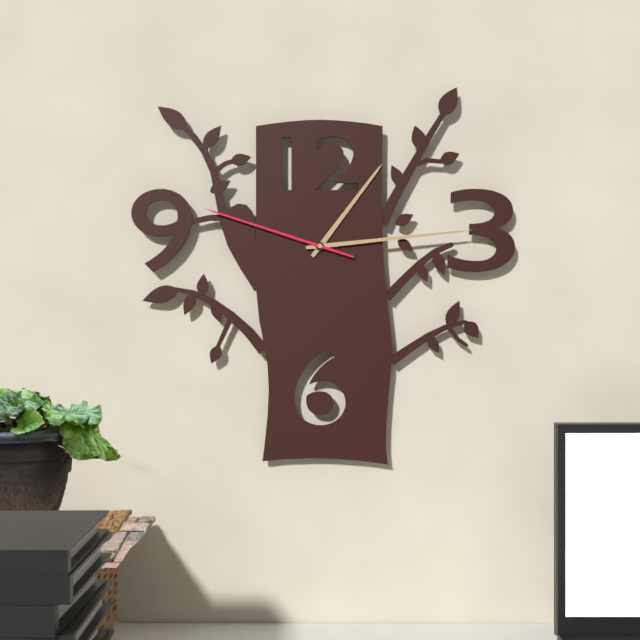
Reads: 1h14m48s
